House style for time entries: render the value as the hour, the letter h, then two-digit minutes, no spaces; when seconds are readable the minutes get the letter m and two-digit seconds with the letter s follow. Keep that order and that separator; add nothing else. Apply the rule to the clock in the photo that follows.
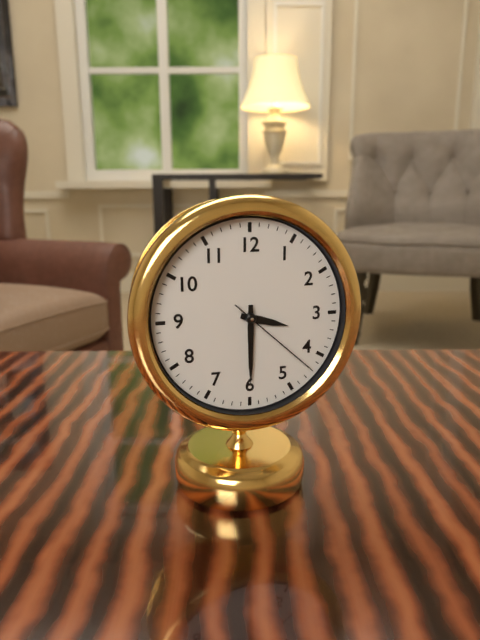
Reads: 3h30m22s
